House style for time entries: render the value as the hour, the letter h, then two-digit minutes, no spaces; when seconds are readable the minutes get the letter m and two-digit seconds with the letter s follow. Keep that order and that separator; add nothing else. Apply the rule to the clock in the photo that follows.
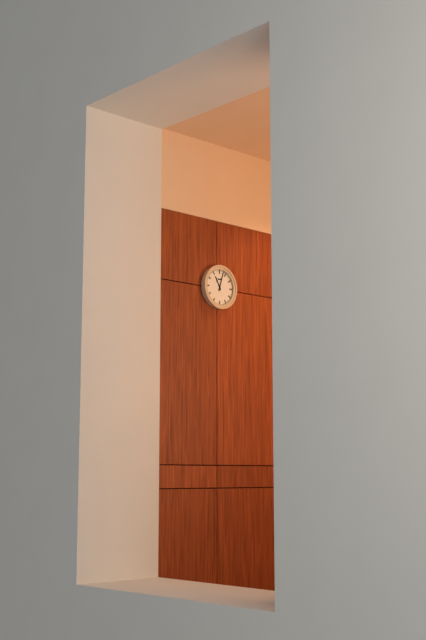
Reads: 11h03
